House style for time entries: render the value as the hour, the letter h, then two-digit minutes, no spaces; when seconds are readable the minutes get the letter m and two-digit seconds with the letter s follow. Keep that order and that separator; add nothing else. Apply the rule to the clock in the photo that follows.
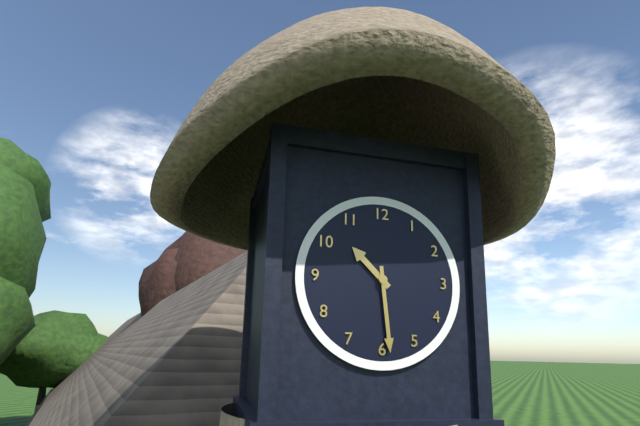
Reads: 10h29
